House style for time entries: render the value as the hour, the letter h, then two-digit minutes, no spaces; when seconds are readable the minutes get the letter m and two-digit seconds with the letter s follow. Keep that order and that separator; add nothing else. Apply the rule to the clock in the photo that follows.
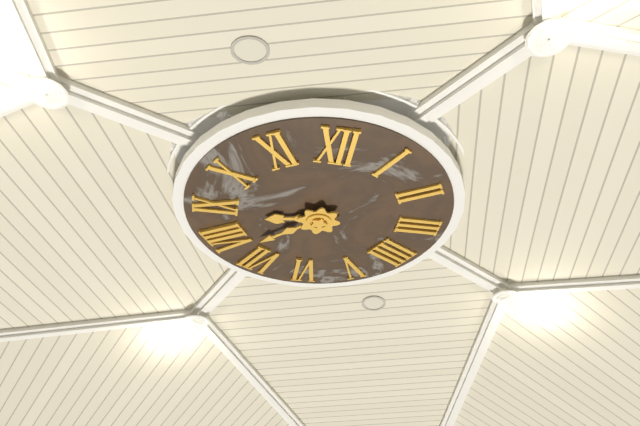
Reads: 8h38
